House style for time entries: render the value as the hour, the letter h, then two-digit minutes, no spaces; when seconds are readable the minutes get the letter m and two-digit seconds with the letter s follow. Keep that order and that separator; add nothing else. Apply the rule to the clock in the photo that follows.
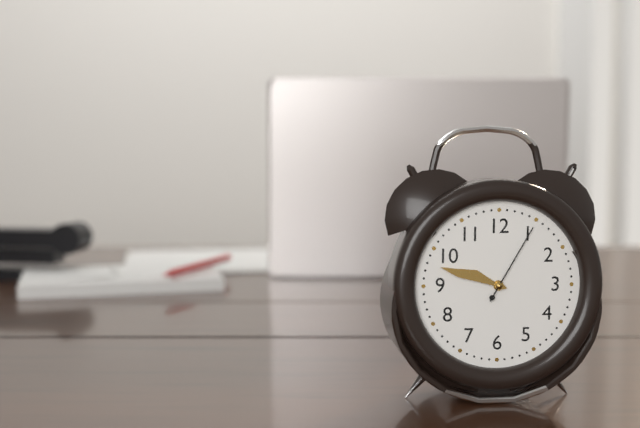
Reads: 9h48m05s
